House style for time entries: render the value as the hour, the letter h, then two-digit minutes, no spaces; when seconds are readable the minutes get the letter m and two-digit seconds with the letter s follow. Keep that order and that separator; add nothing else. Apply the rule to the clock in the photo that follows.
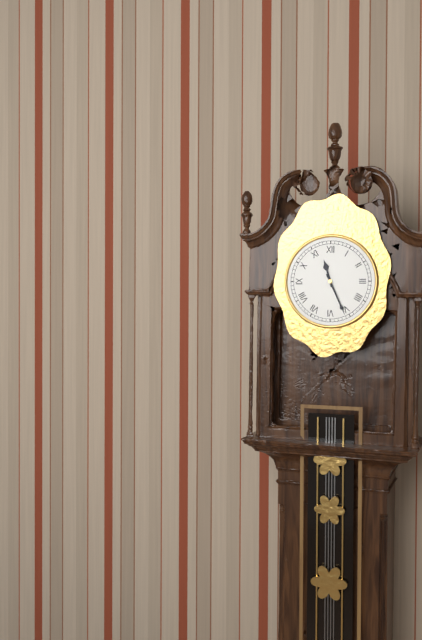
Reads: 11h26
